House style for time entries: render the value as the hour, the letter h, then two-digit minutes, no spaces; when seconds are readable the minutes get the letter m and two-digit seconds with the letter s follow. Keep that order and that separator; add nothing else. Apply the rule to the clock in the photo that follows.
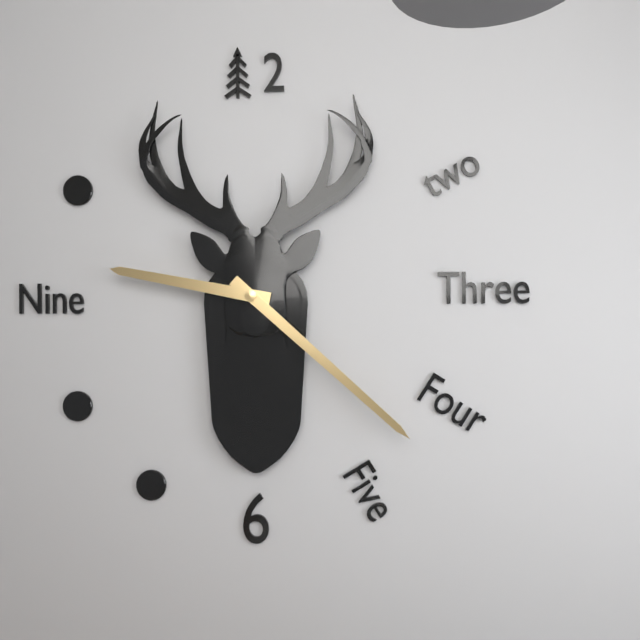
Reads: 9h22
